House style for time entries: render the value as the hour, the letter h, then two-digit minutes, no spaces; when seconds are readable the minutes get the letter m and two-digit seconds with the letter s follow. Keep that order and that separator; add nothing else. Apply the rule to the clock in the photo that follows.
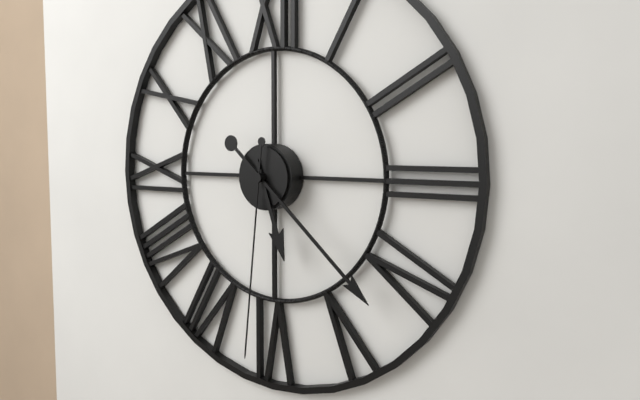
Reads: 5h22m31s
